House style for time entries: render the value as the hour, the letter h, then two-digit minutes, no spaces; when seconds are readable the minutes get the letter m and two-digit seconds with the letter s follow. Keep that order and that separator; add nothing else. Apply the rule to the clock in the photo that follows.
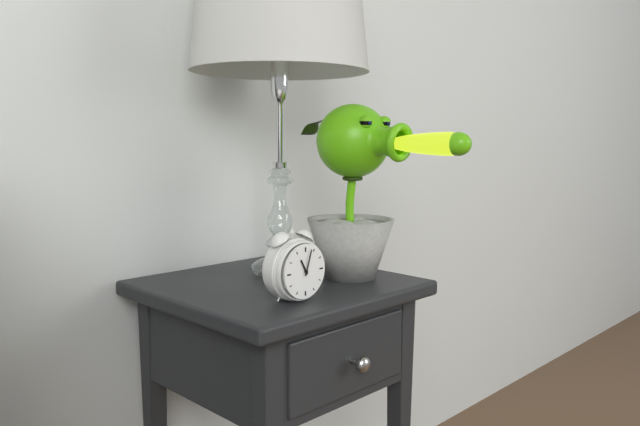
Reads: 11h03
